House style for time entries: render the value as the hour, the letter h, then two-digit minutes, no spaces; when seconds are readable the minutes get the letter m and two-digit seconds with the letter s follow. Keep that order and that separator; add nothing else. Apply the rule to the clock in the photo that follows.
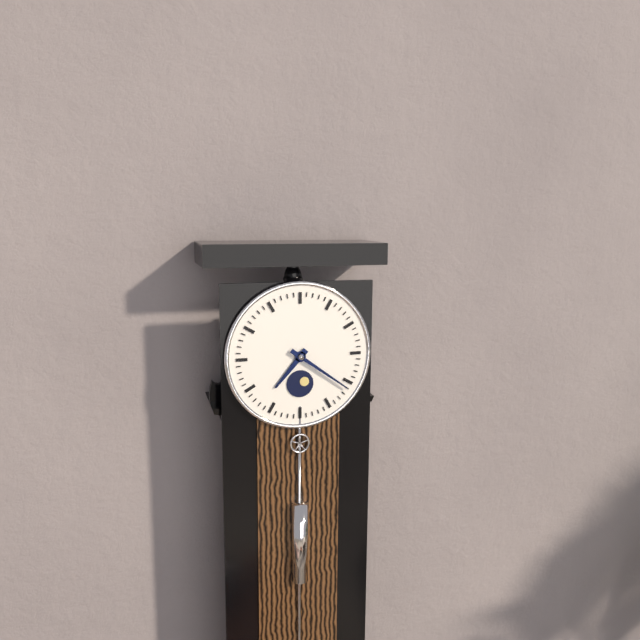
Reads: 7h21
